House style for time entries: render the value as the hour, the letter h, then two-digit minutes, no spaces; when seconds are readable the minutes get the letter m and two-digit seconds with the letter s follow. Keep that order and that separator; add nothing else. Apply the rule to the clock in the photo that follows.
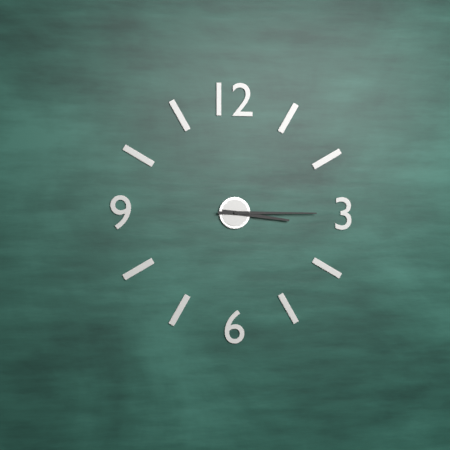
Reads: 3h15
